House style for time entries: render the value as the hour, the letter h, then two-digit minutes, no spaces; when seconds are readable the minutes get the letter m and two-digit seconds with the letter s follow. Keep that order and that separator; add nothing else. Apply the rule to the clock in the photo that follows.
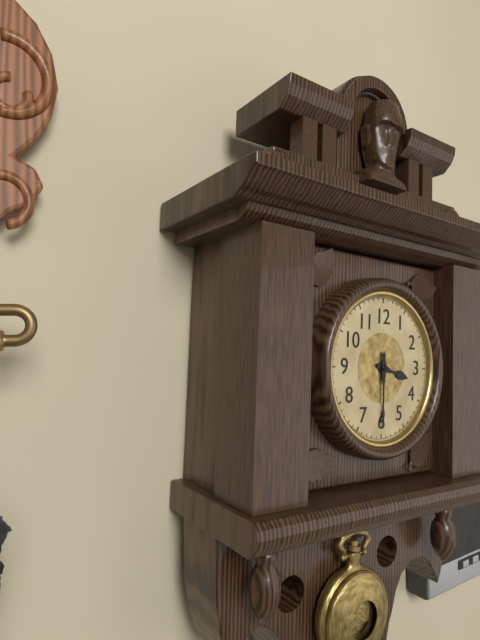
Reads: 3h30
